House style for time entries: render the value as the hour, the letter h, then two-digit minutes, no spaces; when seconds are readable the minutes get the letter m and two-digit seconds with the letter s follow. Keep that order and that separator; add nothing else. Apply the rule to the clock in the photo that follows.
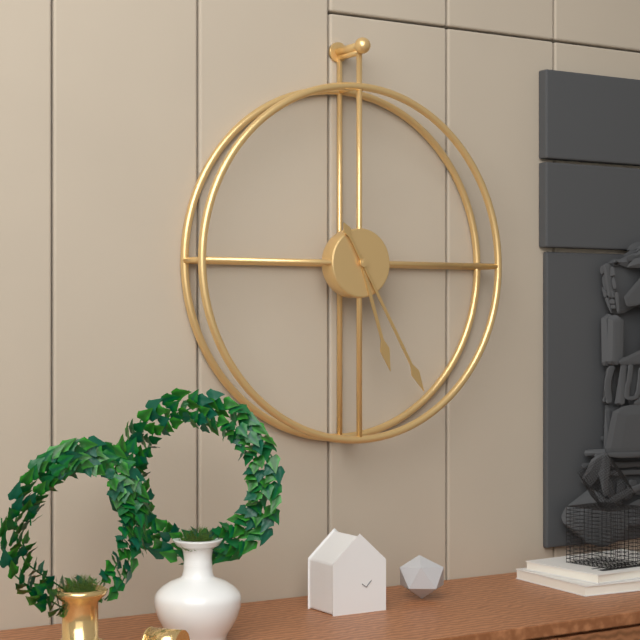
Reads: 5h25
